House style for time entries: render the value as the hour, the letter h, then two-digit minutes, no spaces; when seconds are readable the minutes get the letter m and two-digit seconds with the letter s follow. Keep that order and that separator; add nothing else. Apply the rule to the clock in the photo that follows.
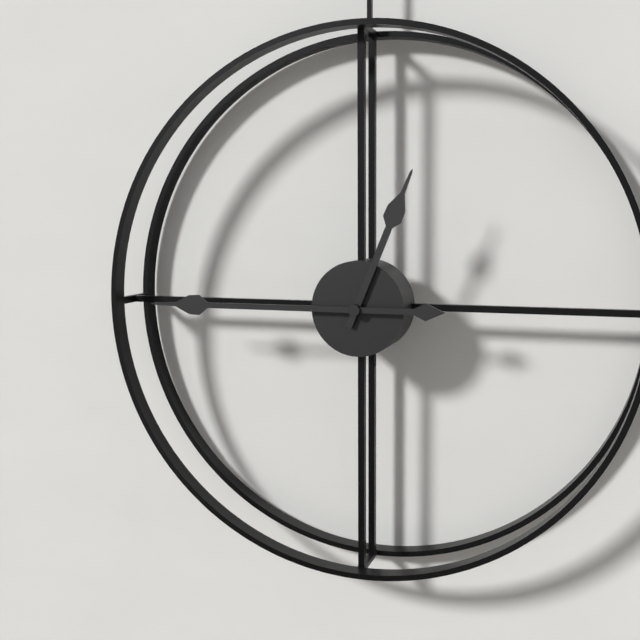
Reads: 12h45
